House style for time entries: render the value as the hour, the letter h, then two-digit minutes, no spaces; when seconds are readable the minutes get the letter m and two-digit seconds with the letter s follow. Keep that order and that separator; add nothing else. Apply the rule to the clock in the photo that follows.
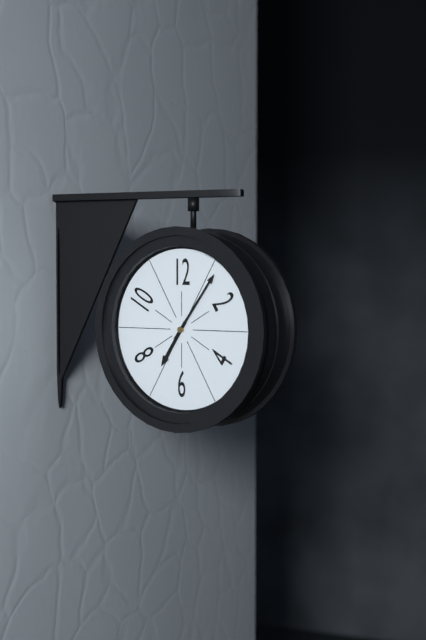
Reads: 7h06
